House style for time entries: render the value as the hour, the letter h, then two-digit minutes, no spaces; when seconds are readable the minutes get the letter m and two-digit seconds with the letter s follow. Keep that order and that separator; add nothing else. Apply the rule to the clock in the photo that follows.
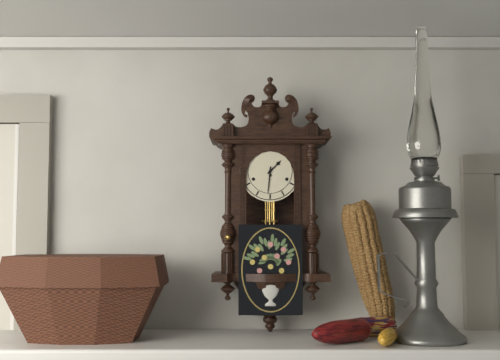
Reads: 1h31
